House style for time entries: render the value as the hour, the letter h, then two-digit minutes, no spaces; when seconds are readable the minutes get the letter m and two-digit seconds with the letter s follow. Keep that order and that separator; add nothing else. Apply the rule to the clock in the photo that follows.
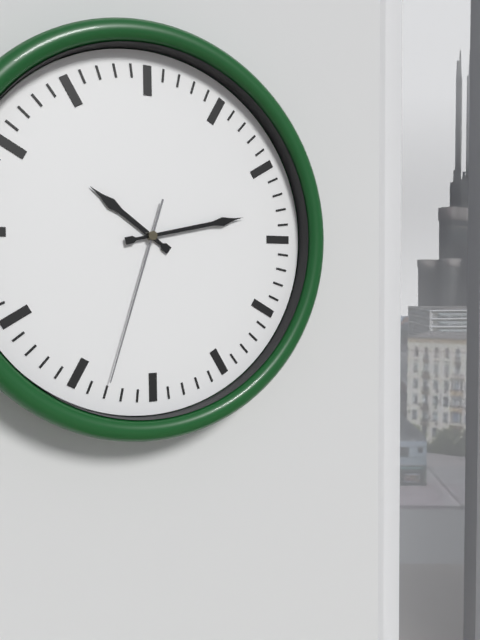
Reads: 10h13m33s
